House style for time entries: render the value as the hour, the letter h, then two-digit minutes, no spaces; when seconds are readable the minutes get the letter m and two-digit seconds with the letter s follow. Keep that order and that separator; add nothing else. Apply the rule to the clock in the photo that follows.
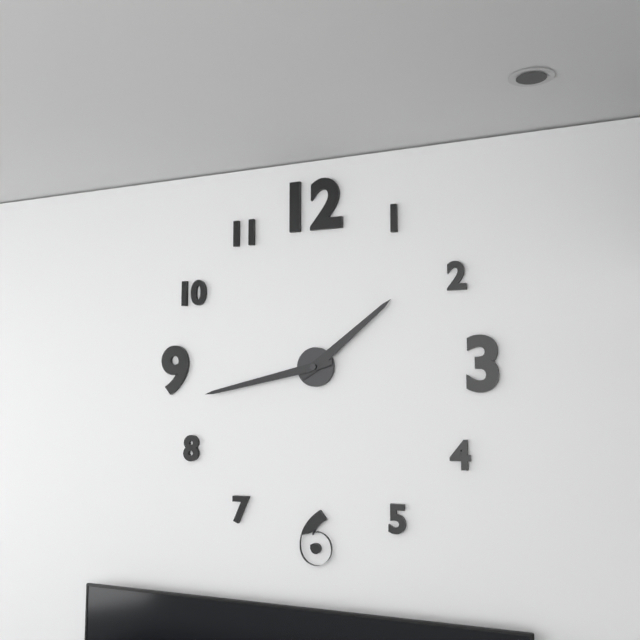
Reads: 1h43
